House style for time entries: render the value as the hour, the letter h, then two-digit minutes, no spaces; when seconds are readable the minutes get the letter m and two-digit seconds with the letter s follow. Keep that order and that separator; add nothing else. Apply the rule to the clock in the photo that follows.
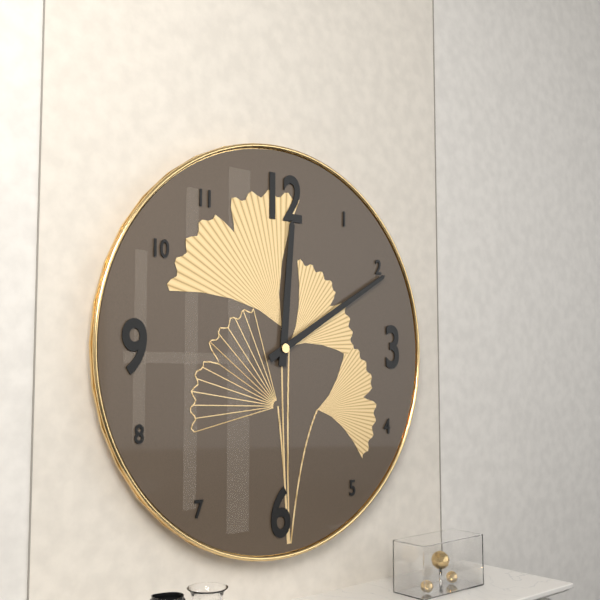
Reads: 12h10
